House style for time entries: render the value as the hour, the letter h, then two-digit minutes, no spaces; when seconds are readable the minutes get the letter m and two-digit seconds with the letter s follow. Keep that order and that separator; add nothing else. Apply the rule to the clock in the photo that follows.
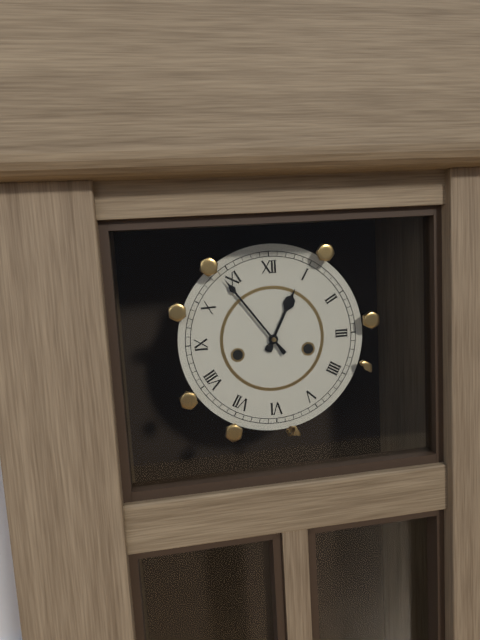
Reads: 12h54
